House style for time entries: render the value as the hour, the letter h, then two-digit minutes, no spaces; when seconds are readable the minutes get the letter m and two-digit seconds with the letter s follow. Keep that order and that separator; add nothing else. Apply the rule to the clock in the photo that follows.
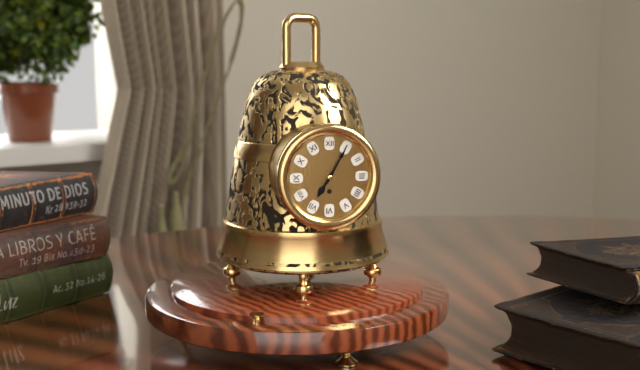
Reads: 7h05
